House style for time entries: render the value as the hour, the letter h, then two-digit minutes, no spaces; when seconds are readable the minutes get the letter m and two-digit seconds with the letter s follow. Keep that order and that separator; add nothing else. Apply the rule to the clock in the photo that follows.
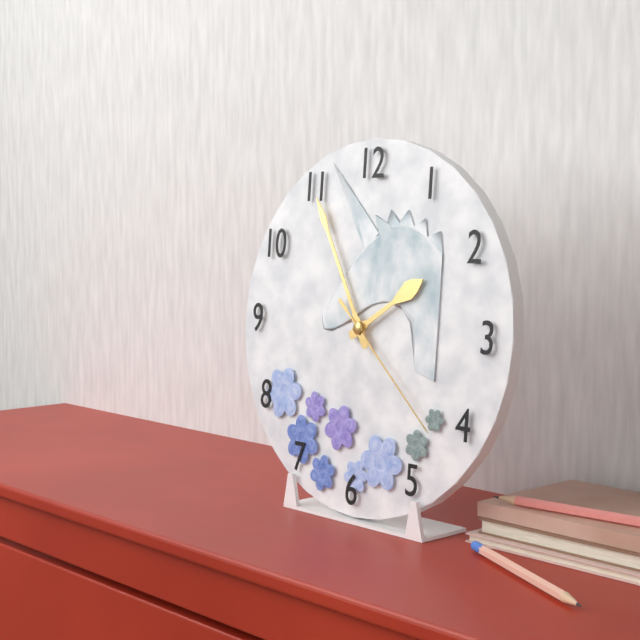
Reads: 1h55m22s
